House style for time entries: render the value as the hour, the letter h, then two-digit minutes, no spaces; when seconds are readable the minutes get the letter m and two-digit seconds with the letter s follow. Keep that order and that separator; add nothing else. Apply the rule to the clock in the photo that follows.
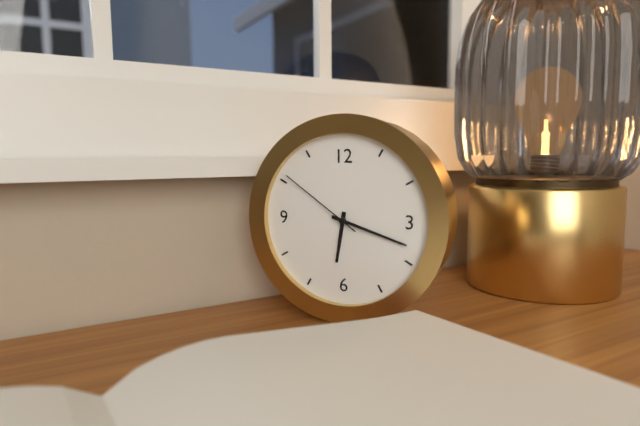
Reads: 6h18m51s
